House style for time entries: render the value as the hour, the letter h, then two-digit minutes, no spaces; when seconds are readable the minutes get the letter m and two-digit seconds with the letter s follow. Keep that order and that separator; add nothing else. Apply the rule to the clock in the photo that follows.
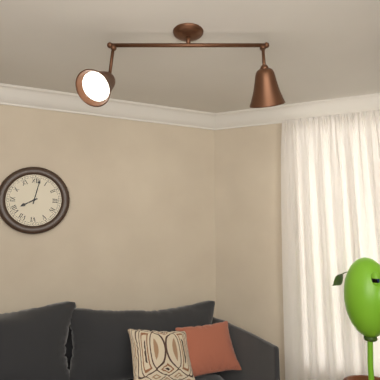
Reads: 8h02
